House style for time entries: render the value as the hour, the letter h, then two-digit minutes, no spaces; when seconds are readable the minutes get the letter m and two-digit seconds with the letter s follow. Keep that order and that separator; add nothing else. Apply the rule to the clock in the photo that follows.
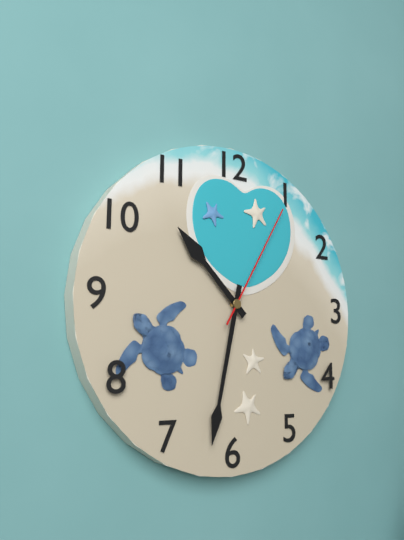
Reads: 10h32m05s
